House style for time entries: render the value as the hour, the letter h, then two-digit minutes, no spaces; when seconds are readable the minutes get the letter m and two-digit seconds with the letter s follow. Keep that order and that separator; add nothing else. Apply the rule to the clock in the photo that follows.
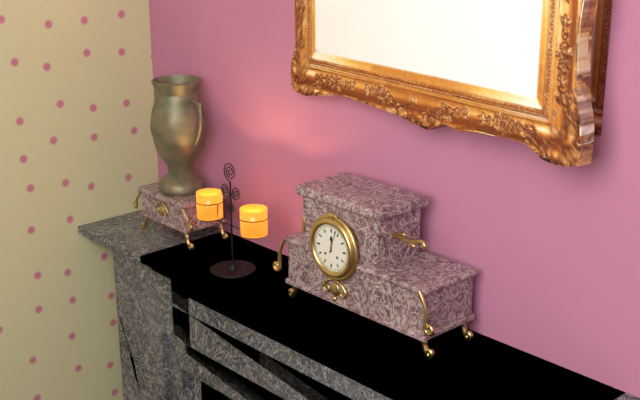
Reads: 12h03
